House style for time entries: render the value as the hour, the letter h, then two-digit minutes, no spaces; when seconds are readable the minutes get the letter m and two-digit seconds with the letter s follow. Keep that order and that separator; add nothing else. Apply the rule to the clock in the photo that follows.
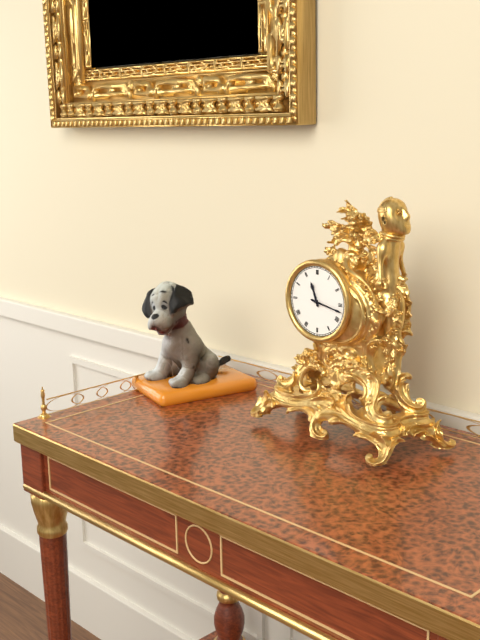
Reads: 11h17
